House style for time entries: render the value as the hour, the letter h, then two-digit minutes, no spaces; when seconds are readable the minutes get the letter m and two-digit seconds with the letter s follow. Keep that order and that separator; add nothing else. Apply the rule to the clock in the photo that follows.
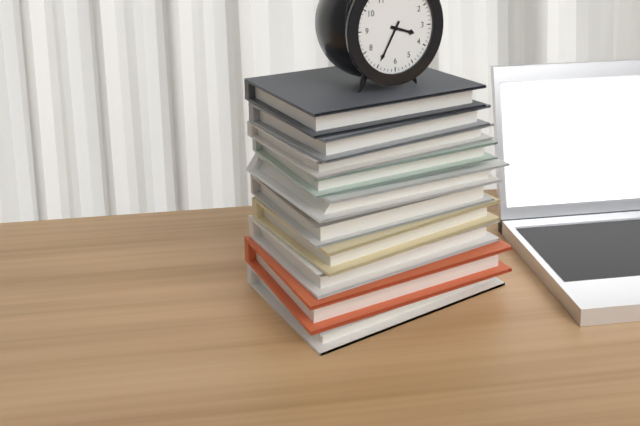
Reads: 3h35
